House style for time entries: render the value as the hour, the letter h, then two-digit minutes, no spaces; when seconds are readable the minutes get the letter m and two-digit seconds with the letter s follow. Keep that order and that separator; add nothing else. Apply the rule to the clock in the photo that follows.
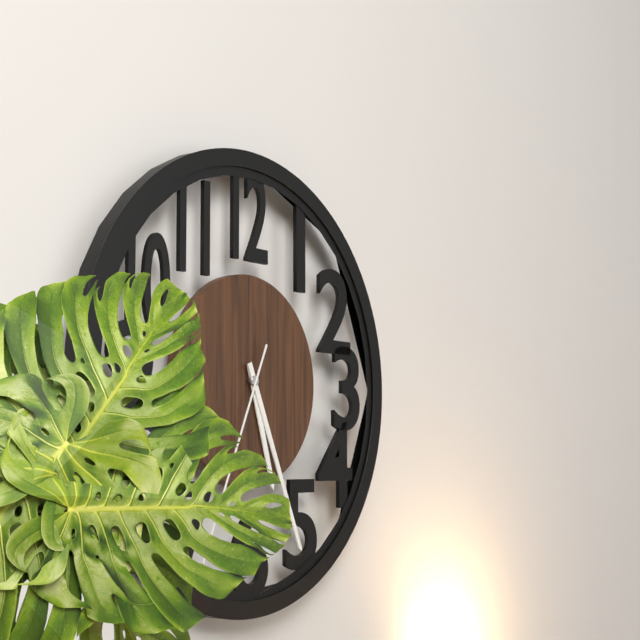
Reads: 5h26m34s
